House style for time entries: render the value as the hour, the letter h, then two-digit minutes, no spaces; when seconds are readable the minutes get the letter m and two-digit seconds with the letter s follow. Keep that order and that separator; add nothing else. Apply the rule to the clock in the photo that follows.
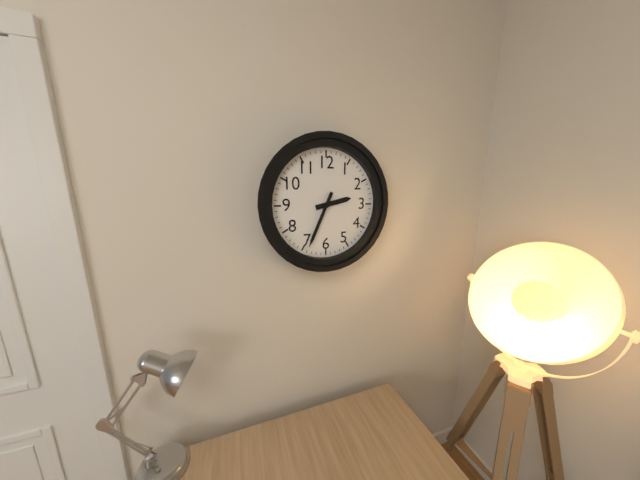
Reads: 2h34
